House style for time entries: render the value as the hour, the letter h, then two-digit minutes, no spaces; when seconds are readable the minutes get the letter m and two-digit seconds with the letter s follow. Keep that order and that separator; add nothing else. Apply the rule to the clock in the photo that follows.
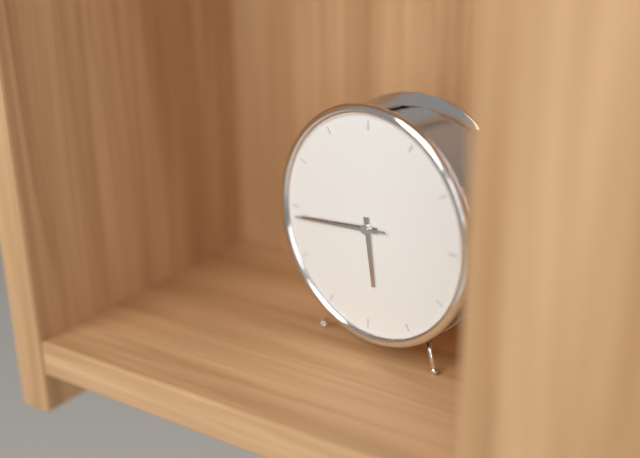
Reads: 5h44m44s
